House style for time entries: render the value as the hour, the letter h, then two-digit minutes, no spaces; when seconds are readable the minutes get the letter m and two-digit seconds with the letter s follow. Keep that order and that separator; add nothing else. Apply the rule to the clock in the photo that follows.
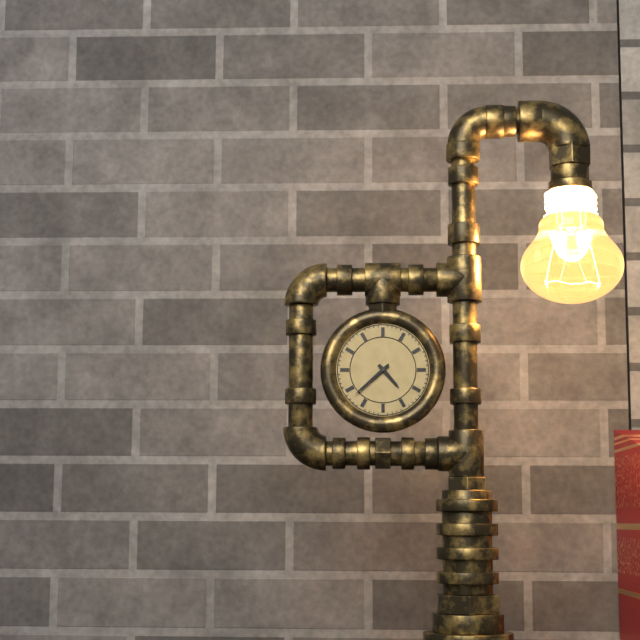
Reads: 4h38
